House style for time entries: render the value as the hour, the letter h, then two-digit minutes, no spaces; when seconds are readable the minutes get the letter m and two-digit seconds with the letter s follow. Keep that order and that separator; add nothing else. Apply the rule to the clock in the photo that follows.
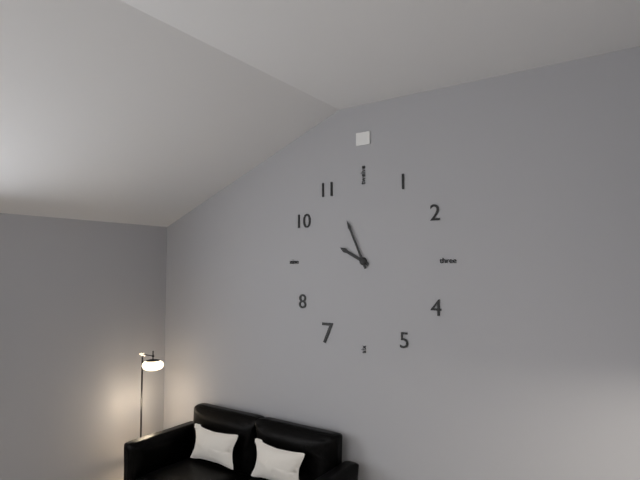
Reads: 9h56
